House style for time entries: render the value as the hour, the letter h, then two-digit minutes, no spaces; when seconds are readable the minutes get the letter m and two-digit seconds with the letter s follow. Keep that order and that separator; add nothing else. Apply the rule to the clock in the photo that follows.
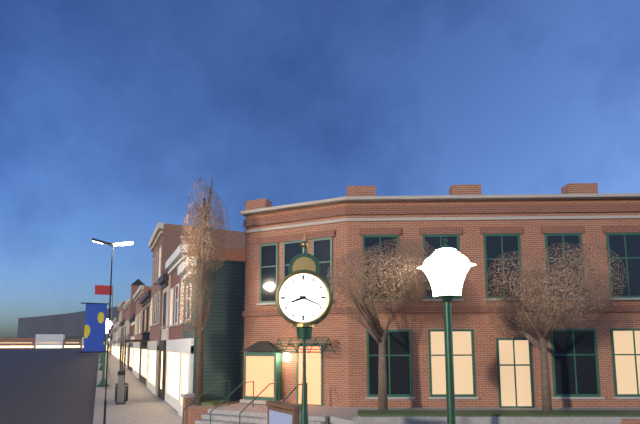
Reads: 8h19
